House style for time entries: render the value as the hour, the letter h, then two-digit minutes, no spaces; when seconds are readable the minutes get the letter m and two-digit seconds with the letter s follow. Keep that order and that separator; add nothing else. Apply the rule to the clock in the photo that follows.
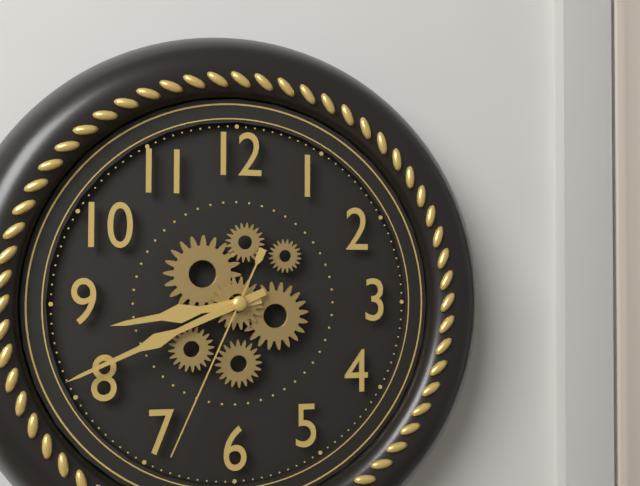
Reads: 8h41m34s
